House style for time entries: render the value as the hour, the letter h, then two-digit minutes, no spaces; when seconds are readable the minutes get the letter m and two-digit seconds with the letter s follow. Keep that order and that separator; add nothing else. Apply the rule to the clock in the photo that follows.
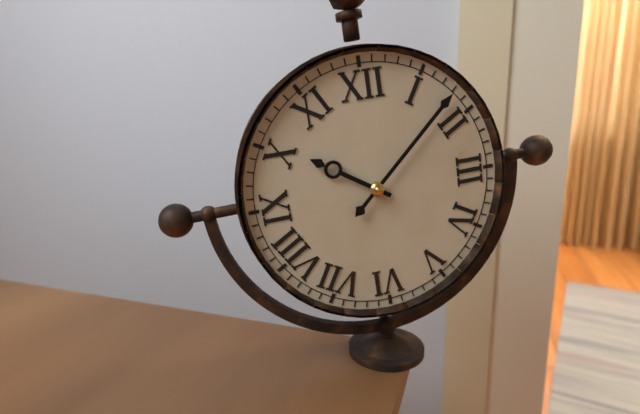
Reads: 10h08
